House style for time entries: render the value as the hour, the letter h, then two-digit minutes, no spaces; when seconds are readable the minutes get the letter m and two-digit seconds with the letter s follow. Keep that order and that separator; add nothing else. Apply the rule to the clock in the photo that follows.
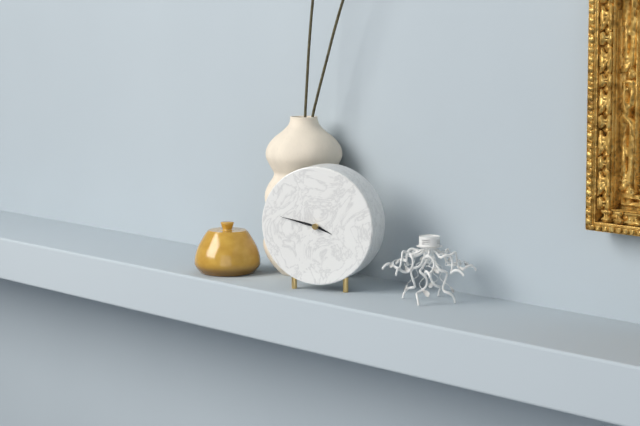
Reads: 3h47
